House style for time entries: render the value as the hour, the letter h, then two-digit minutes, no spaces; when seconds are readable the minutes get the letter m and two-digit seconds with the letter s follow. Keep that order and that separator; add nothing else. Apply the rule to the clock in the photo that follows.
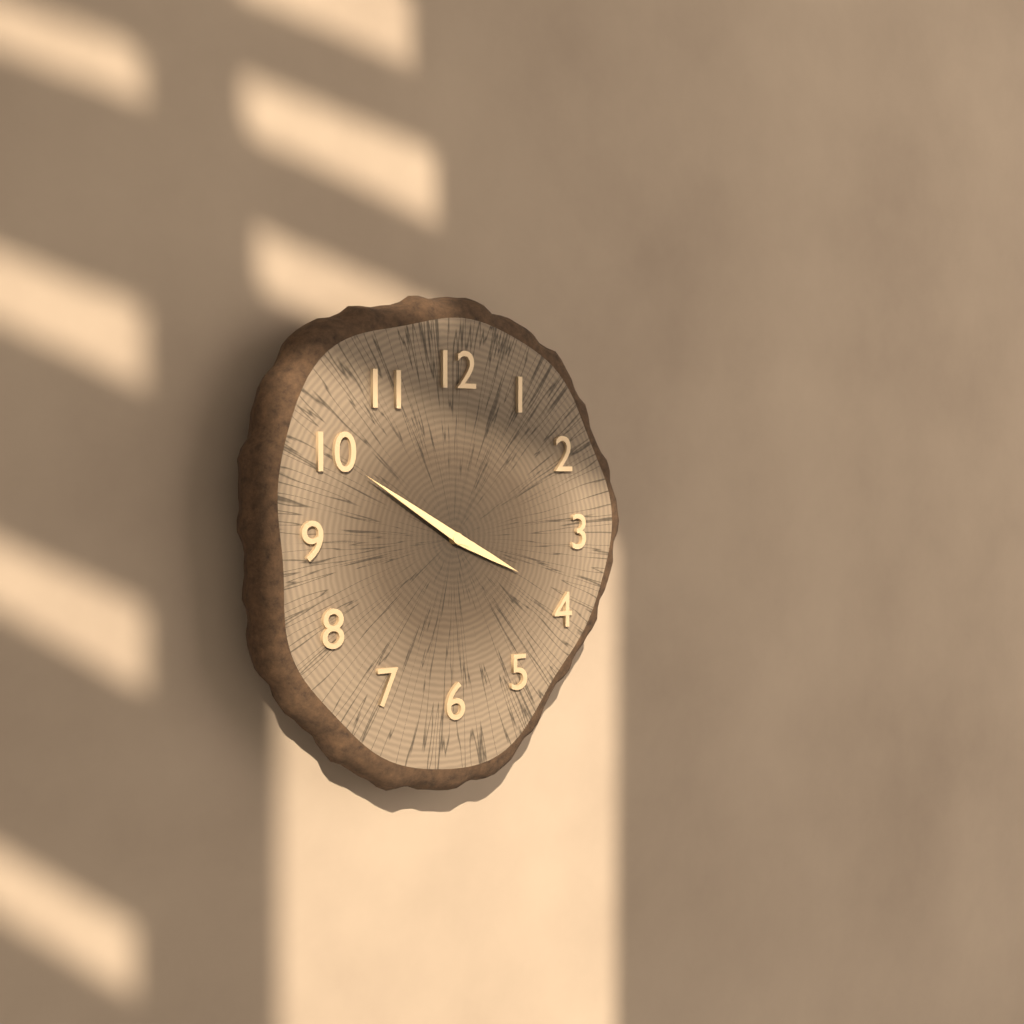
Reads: 3h50
